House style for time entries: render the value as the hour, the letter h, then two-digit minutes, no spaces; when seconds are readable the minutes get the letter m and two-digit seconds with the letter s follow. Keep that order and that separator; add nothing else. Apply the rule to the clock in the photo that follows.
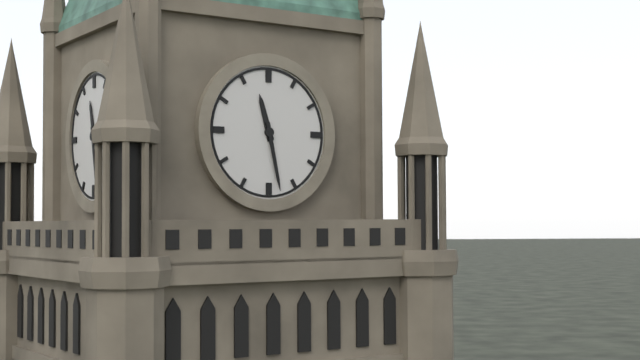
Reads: 11h28
